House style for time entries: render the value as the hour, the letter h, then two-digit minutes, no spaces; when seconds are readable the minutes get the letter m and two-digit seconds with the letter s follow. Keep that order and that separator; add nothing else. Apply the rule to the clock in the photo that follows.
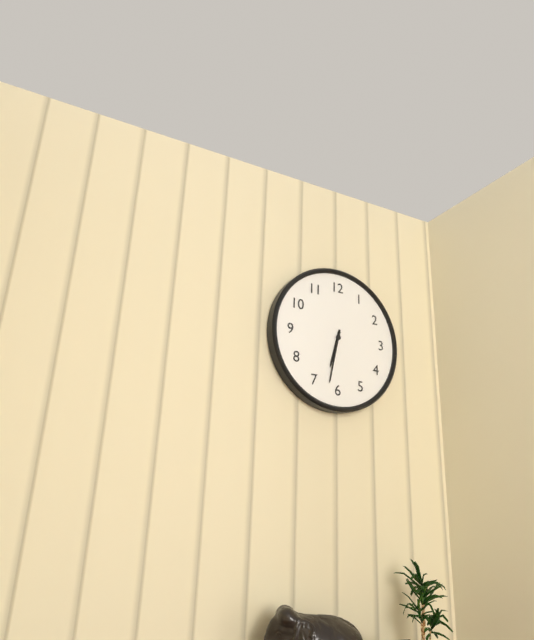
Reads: 6h32
